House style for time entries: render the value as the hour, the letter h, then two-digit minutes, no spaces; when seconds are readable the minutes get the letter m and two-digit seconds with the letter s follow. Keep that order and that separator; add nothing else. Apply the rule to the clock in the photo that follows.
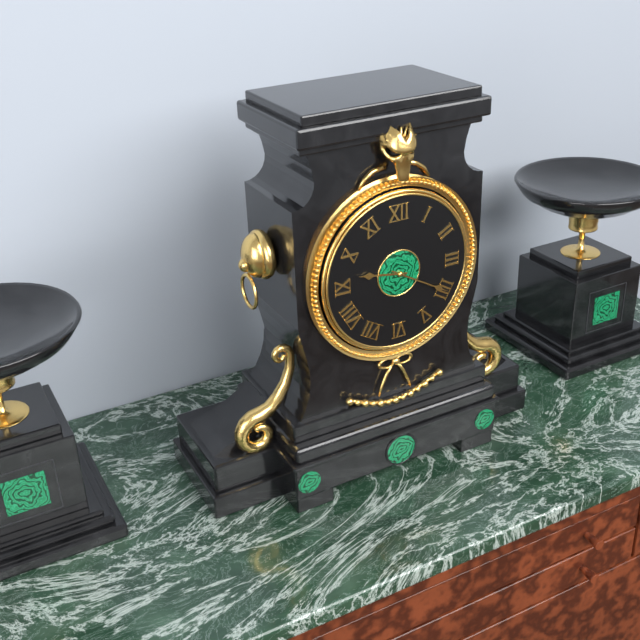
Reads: 9h20
